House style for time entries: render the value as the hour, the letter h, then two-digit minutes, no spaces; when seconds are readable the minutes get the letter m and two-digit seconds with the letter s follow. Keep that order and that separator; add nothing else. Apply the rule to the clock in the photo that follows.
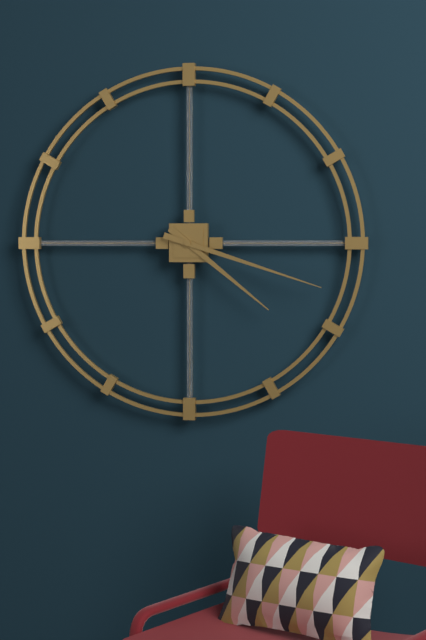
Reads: 4h18
